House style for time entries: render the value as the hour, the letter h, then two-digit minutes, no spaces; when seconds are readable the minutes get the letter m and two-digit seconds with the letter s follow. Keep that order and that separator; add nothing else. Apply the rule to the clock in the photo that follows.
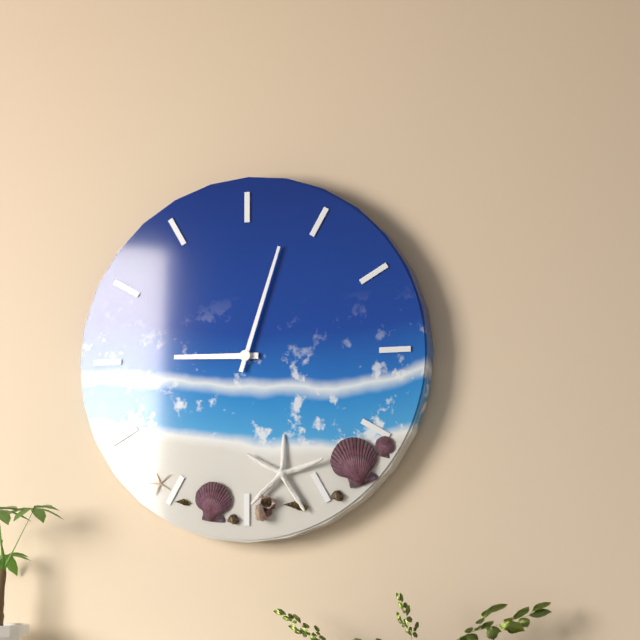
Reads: 9h03
